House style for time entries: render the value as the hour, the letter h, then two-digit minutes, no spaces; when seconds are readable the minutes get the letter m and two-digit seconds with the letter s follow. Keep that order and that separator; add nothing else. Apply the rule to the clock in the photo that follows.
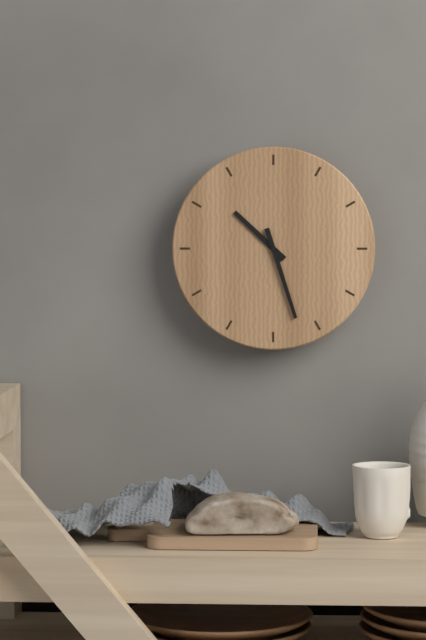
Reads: 10h27
